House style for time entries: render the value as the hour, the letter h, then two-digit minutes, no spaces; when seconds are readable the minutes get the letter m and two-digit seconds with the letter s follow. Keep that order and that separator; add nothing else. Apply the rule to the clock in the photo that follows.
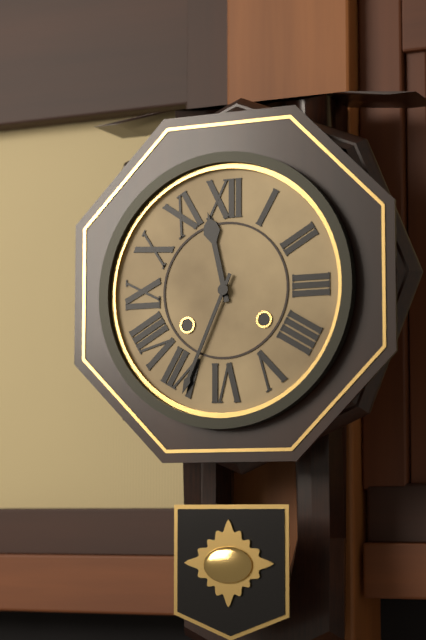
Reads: 11h34
